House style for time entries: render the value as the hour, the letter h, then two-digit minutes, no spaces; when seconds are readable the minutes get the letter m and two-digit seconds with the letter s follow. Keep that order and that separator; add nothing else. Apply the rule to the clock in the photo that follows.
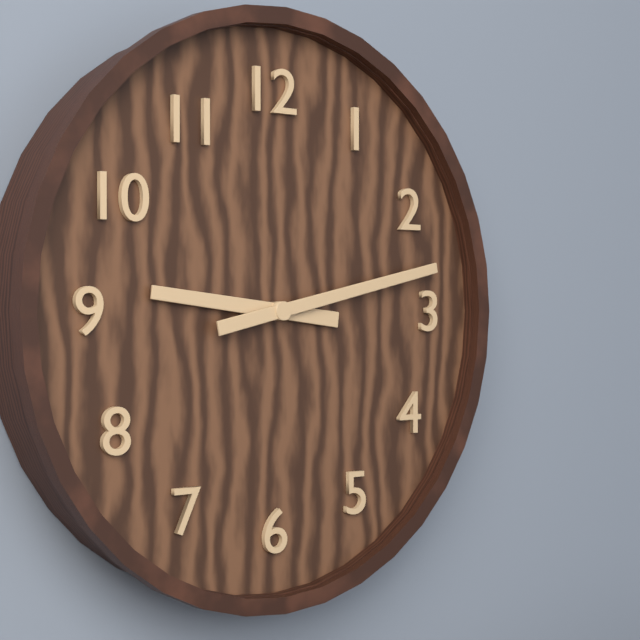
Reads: 9h13
